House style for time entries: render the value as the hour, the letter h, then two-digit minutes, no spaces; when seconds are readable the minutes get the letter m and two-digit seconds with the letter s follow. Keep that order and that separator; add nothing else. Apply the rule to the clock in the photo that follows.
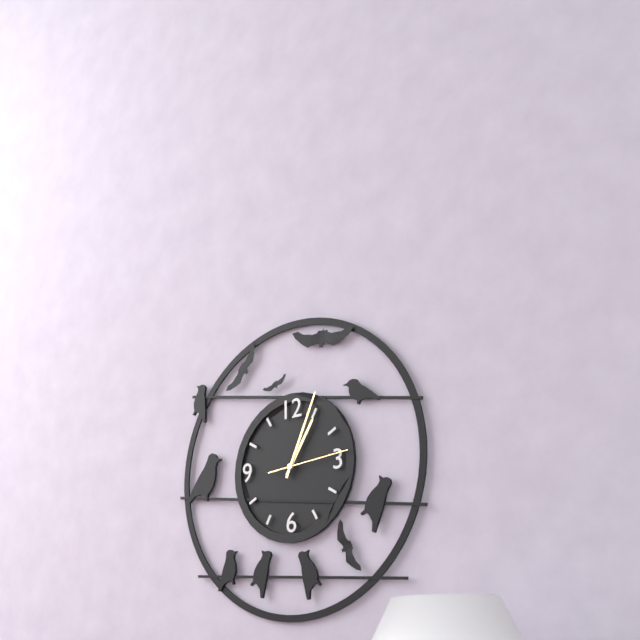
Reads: 1h04m14s
